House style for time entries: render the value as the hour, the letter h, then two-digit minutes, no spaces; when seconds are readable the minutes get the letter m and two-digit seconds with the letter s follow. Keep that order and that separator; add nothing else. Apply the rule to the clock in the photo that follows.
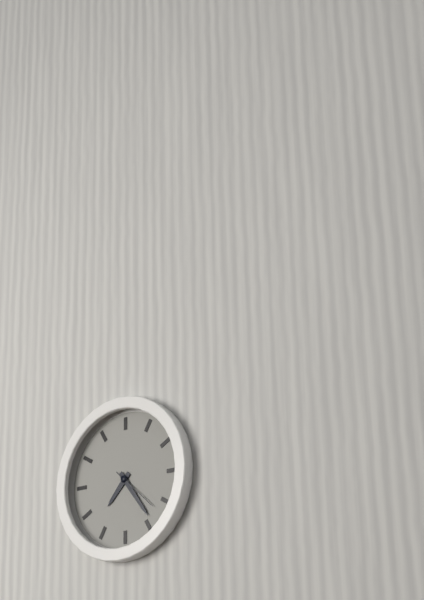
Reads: 7h24
